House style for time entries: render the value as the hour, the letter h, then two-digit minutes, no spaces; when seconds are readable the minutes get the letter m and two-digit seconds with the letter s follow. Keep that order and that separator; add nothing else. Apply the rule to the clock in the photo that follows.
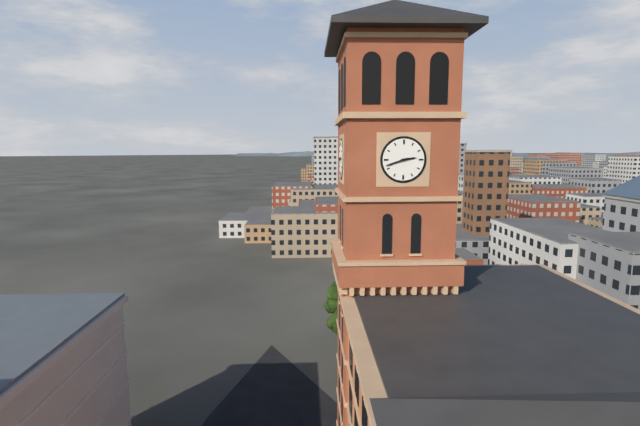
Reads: 2h42
